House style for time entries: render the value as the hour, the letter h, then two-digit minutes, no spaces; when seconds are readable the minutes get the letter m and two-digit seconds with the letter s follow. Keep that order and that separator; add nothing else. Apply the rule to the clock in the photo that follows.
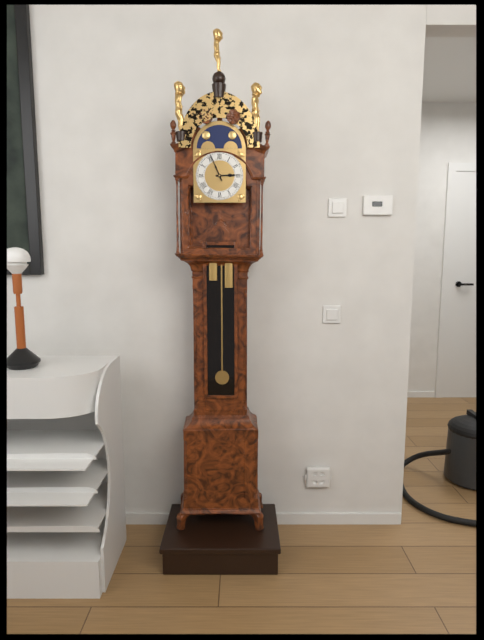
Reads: 2h56
